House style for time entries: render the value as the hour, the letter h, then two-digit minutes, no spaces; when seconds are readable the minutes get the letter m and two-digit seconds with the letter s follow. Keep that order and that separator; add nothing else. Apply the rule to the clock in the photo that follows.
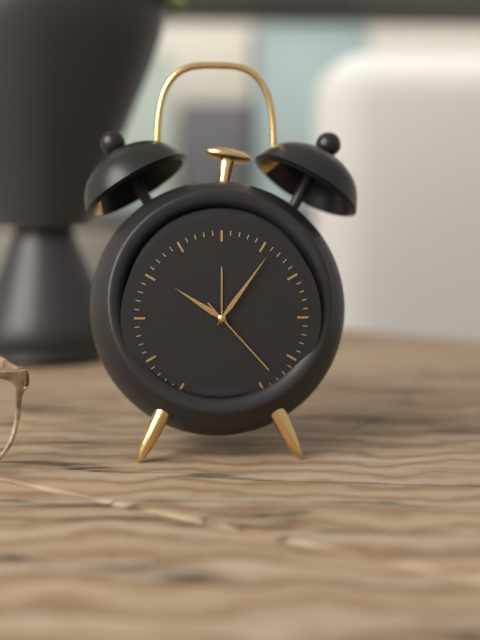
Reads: 10h06m23s
